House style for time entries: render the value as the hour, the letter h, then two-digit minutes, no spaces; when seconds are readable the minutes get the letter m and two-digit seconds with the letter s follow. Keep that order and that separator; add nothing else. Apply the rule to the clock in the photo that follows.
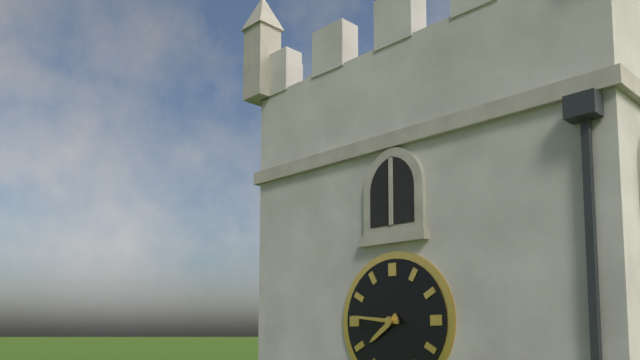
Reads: 7h46
